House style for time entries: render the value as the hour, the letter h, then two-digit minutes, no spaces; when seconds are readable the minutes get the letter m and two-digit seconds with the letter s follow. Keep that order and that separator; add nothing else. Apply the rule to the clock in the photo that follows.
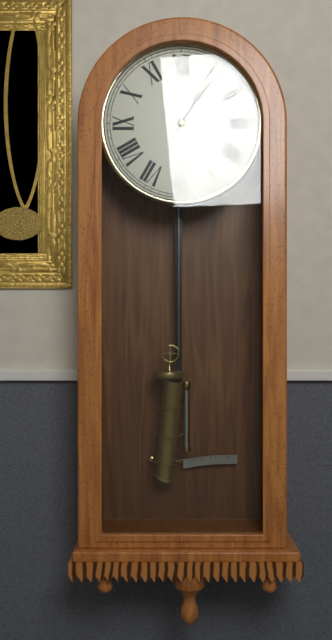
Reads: 1h06
